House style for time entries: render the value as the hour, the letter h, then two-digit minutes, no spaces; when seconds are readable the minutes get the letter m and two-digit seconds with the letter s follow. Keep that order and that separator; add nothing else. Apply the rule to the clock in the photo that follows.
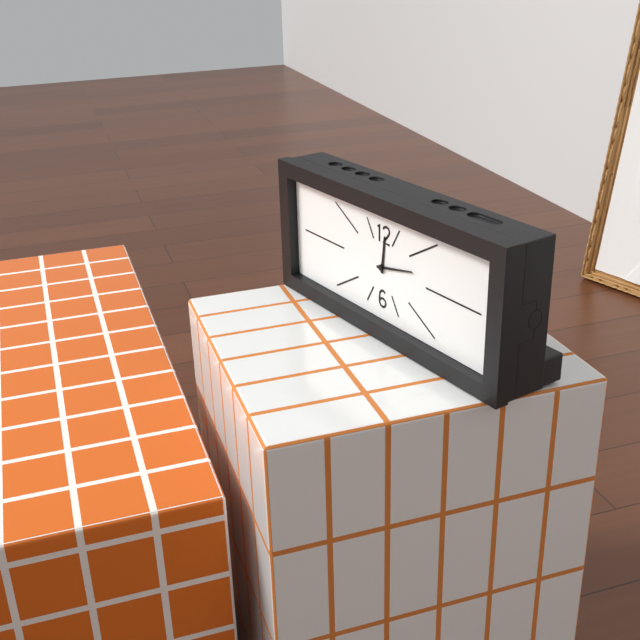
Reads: 12h13
